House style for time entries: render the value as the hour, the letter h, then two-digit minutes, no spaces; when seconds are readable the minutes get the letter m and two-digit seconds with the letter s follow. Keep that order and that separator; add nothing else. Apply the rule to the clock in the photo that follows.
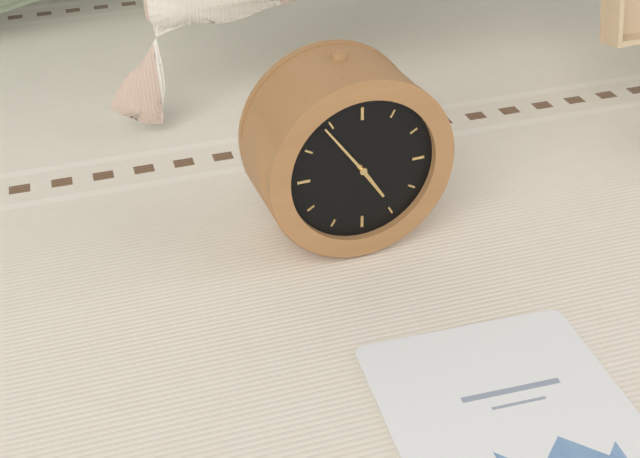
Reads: 4h54
